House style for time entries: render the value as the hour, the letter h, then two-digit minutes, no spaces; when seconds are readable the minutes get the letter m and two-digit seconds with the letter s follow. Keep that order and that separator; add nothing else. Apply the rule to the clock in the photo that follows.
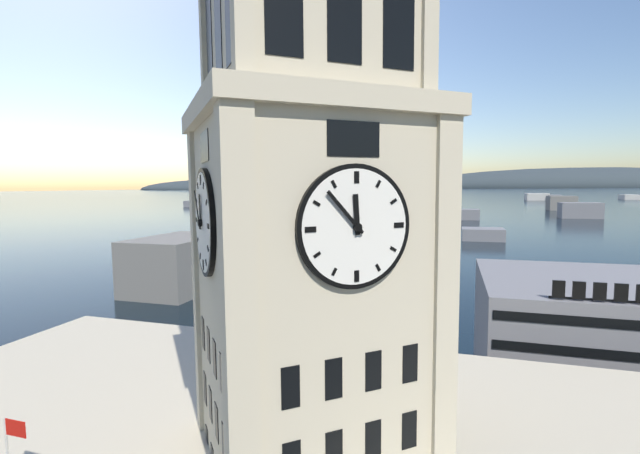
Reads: 11h53
